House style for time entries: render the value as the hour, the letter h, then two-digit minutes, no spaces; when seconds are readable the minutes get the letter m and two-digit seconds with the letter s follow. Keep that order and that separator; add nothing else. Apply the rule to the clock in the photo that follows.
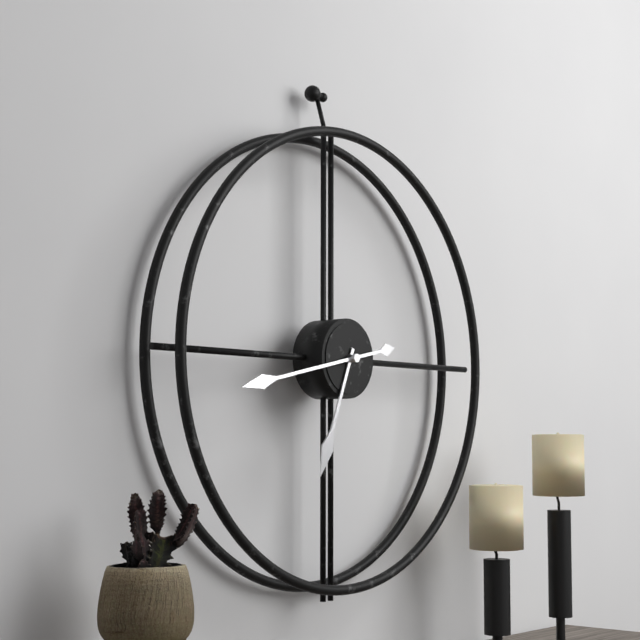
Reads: 6h43
